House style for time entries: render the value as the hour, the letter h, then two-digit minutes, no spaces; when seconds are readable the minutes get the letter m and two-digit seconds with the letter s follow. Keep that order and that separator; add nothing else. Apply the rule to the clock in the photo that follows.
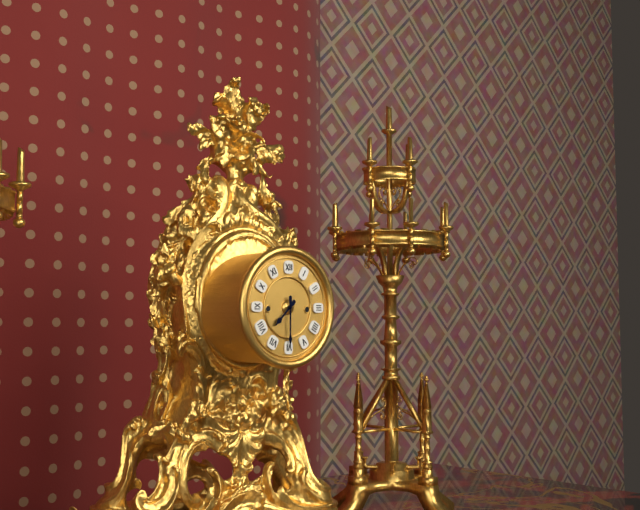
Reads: 7h30
